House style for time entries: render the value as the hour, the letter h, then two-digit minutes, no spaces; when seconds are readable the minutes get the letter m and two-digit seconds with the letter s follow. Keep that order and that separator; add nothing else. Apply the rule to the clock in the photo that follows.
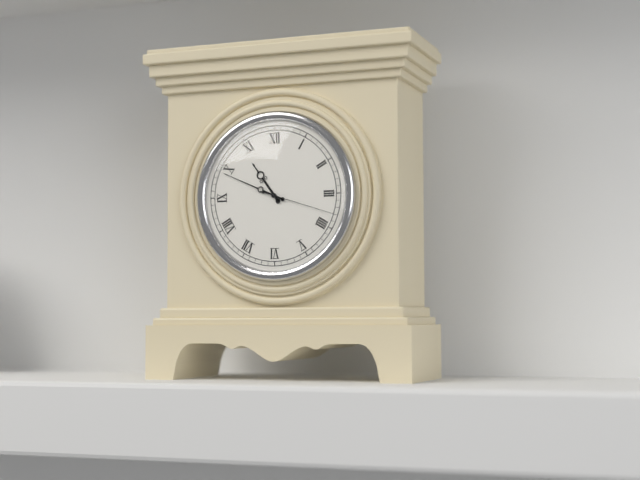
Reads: 10h49m18s
